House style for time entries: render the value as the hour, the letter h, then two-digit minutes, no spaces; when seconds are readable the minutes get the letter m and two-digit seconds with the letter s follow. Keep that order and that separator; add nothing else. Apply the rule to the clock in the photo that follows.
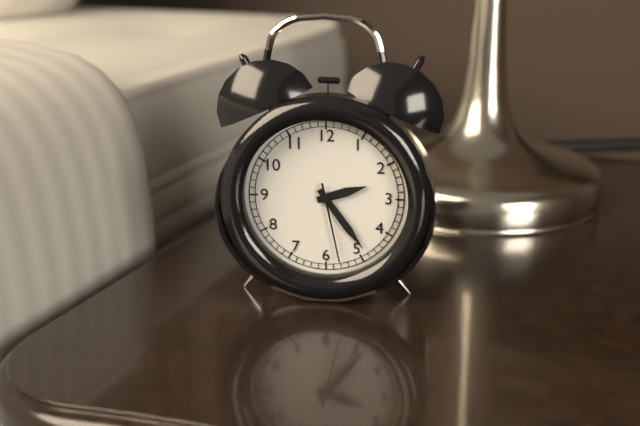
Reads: 2h24m28s
